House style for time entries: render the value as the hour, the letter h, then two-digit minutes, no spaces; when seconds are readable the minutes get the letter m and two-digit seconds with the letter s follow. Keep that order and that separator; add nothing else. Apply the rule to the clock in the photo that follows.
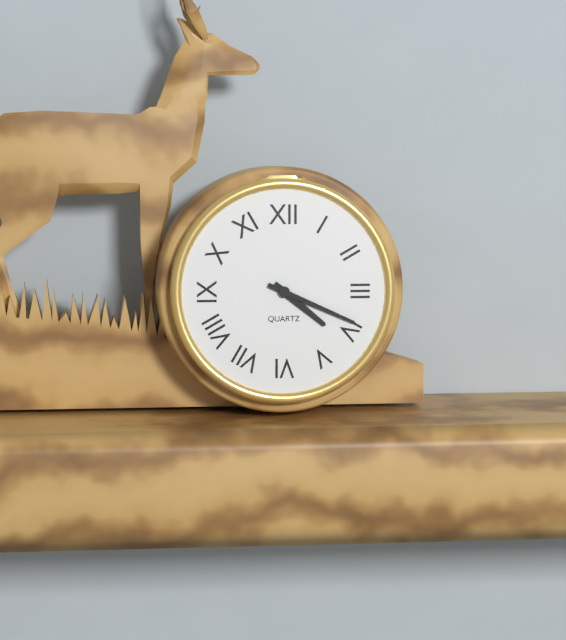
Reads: 4h19
